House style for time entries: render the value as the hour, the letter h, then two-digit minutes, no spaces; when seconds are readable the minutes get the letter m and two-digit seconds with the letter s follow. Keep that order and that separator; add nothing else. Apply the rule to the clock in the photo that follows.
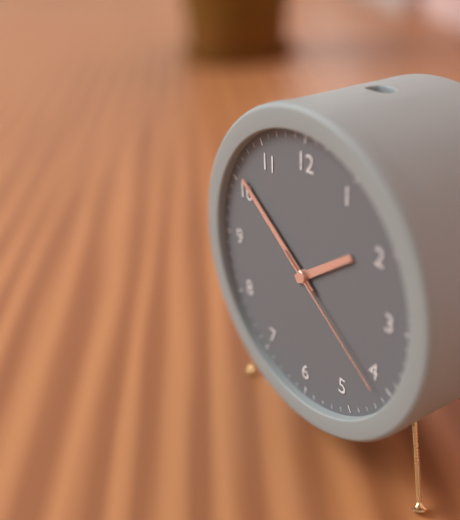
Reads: 1h51m21s
